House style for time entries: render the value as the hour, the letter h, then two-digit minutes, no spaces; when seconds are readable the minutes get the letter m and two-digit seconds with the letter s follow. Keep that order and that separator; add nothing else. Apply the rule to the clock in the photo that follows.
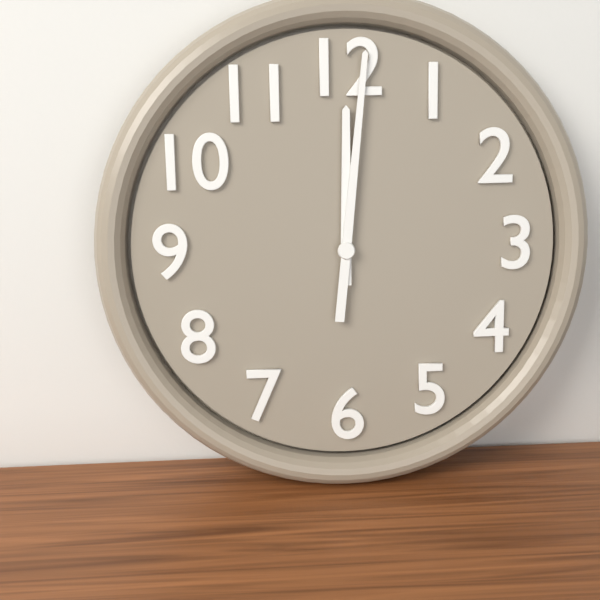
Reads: 12h01
